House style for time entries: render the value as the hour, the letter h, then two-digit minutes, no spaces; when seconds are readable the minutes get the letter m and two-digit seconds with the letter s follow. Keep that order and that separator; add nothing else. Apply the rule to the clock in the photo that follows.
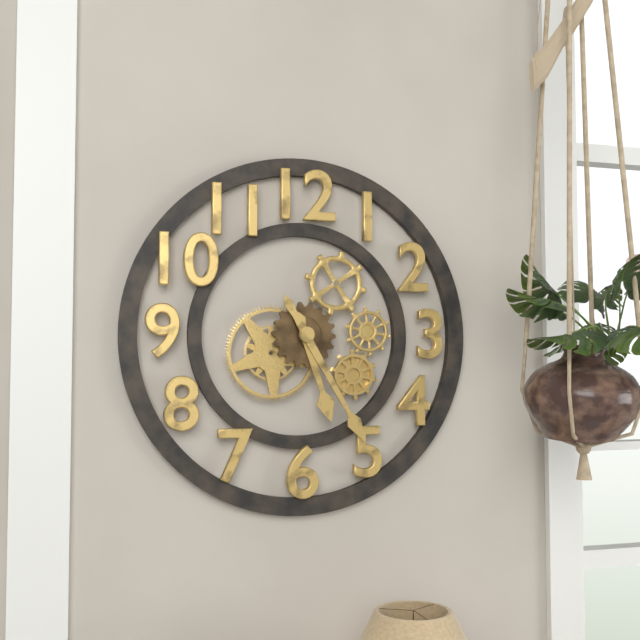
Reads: 5h25
